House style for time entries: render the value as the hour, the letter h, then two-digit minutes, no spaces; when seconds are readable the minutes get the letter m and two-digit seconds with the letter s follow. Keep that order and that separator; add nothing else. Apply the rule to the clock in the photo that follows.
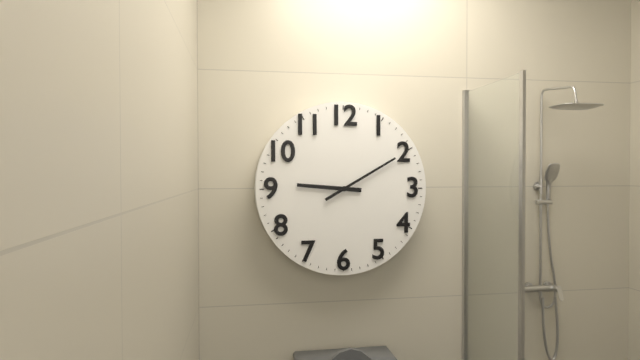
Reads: 9h10
